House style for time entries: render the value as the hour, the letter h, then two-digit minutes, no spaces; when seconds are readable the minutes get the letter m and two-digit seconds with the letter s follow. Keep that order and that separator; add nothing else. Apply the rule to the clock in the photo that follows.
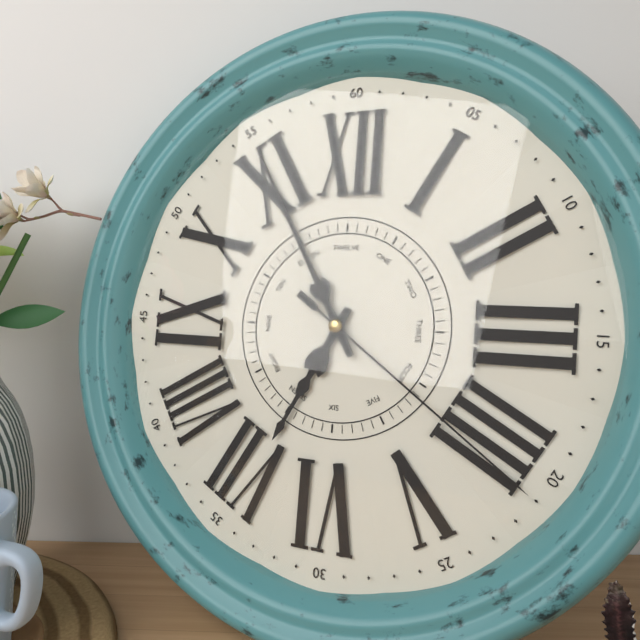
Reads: 6h55m21s
